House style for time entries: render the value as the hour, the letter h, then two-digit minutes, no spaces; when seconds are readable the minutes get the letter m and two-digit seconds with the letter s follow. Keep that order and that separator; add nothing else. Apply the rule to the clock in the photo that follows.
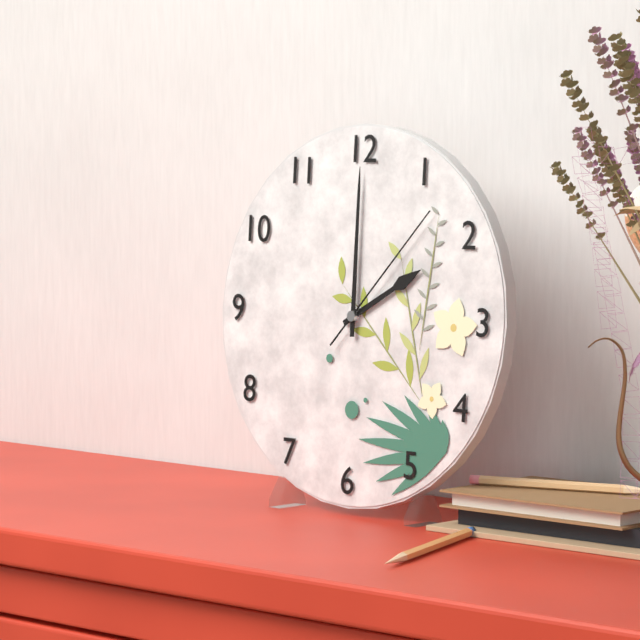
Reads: 2h00m07s
